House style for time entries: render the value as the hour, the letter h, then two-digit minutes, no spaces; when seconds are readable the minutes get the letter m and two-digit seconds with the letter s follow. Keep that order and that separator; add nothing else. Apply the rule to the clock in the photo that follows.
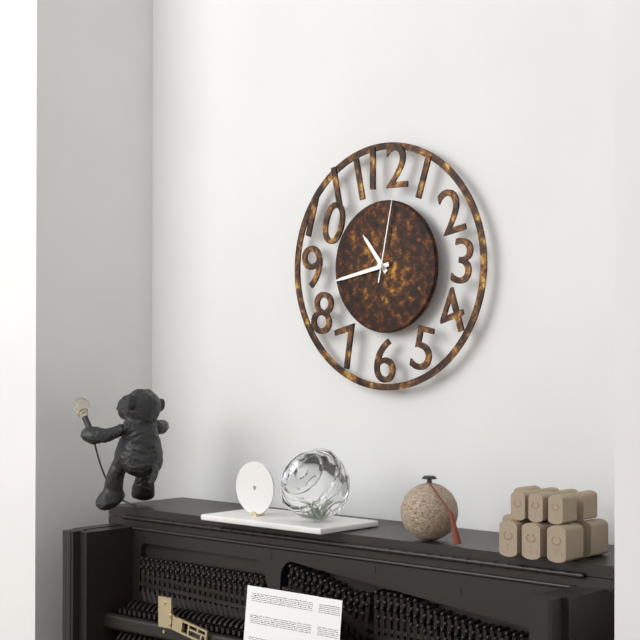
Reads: 10h43m02s
